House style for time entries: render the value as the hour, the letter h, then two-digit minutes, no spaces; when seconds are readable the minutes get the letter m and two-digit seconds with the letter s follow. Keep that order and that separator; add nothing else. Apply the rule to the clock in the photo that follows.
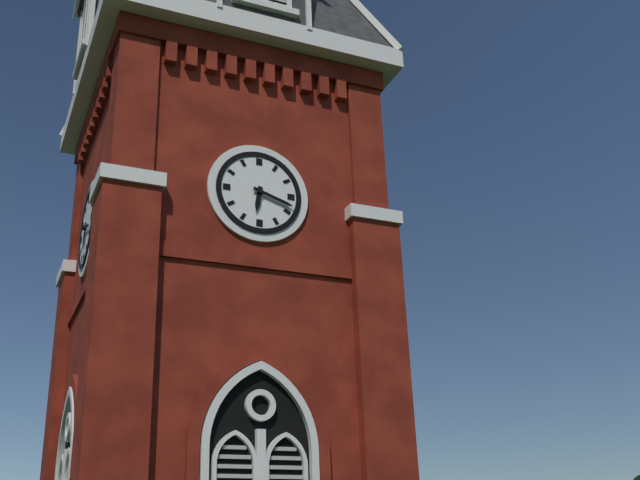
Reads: 6h18
